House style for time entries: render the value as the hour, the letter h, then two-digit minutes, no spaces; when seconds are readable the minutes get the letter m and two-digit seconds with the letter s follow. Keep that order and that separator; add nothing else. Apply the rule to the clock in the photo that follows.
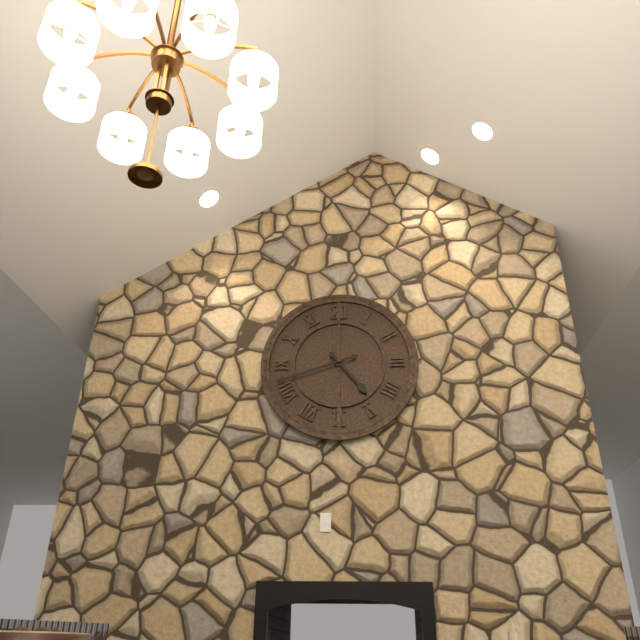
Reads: 4h42
